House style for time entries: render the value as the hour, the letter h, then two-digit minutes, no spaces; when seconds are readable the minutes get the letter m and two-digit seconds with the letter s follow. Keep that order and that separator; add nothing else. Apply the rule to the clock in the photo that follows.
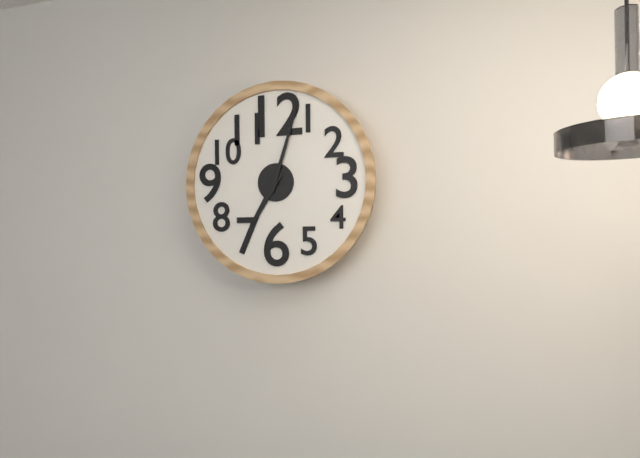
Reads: 7h03
